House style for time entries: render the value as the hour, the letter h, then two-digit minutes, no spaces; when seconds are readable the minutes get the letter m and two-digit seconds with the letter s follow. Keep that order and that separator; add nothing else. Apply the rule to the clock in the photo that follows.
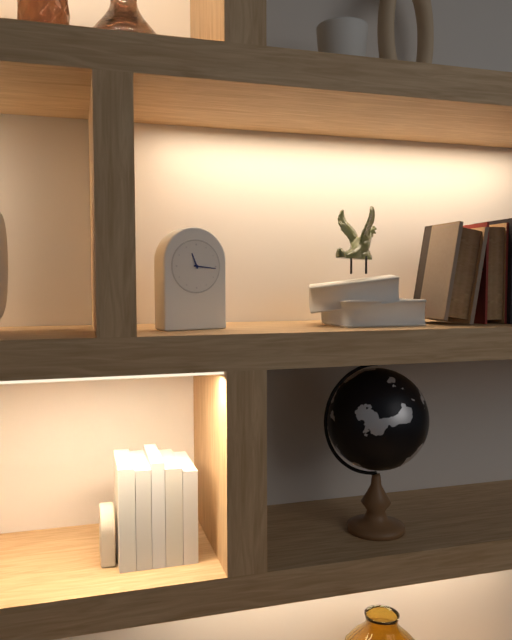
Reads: 11h16
